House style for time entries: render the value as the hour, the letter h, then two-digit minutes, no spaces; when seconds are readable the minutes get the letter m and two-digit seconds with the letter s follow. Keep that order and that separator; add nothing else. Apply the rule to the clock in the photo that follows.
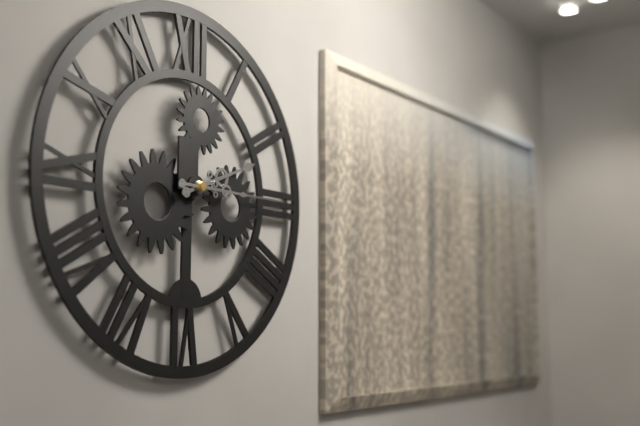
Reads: 2h15
